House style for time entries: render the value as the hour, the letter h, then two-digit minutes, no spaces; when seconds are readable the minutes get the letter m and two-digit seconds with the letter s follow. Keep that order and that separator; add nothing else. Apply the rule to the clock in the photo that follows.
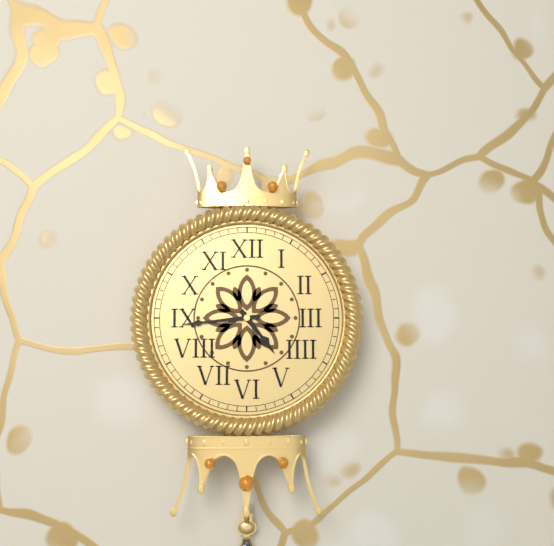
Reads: 4h44
